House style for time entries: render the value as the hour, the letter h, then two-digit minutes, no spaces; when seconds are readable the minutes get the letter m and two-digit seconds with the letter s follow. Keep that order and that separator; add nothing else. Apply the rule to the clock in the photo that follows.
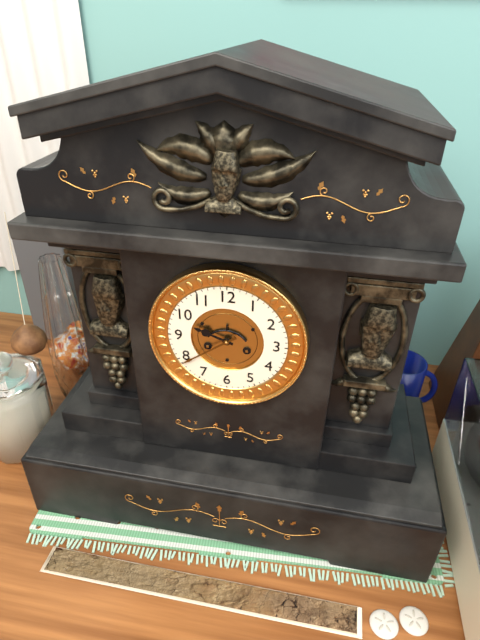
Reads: 9h39
